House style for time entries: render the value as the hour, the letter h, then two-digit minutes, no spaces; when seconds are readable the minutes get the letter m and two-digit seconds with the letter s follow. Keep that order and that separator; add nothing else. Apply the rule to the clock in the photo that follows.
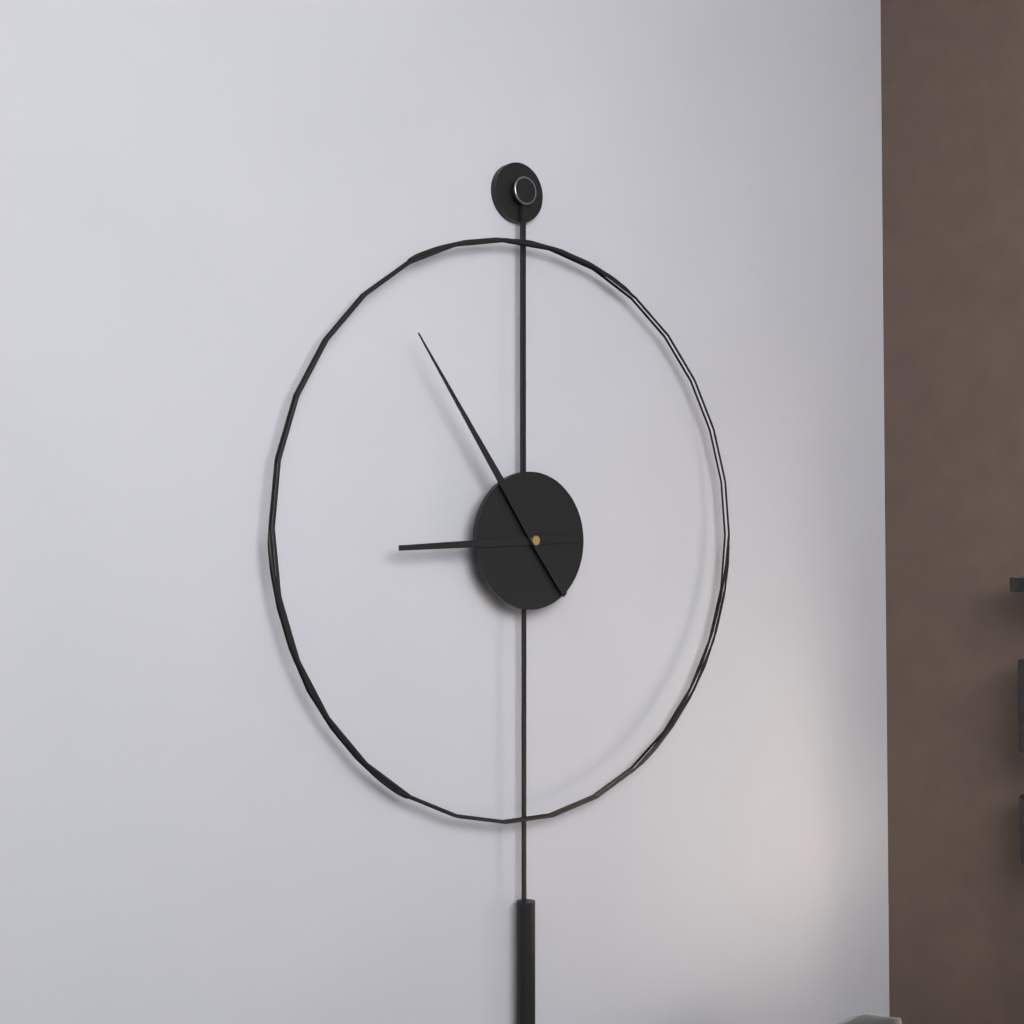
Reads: 8h54
